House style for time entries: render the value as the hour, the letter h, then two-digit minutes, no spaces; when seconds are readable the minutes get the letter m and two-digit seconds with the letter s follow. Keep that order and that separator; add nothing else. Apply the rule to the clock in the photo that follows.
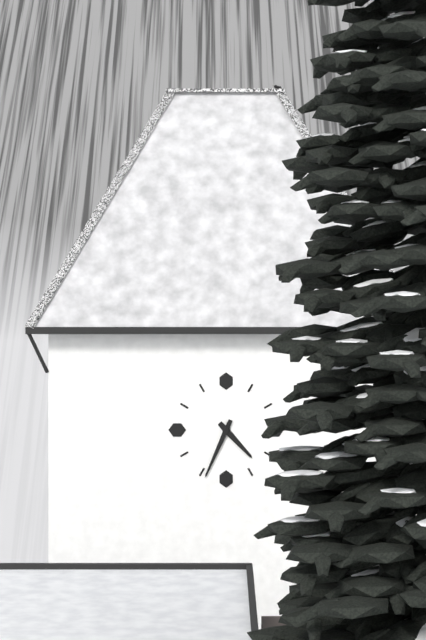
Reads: 4h34
